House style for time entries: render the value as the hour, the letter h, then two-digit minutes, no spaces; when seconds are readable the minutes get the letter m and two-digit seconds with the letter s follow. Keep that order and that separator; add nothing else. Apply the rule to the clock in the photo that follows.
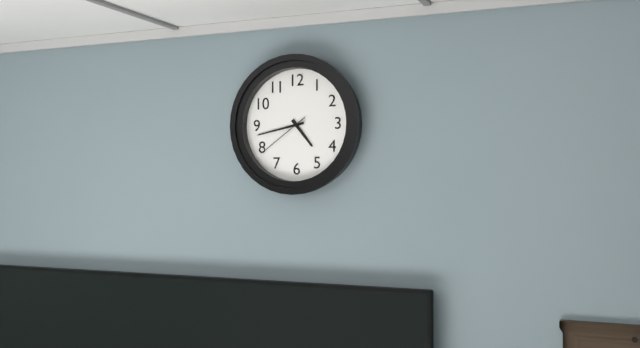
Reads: 4h43m39s
